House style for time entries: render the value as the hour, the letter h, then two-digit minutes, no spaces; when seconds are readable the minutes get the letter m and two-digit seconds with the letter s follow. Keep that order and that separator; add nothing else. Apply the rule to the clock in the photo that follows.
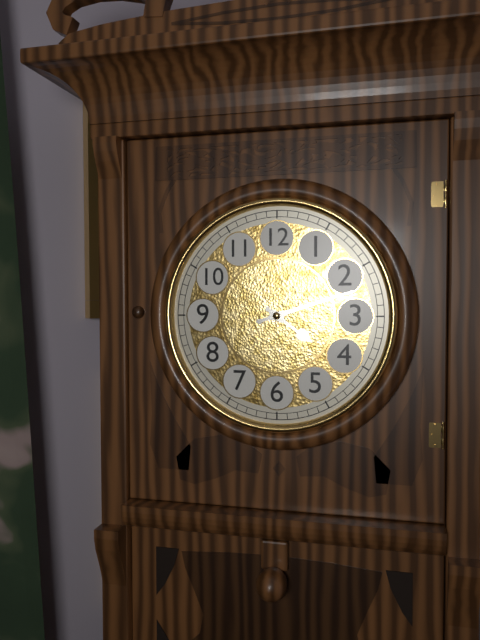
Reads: 4h12
